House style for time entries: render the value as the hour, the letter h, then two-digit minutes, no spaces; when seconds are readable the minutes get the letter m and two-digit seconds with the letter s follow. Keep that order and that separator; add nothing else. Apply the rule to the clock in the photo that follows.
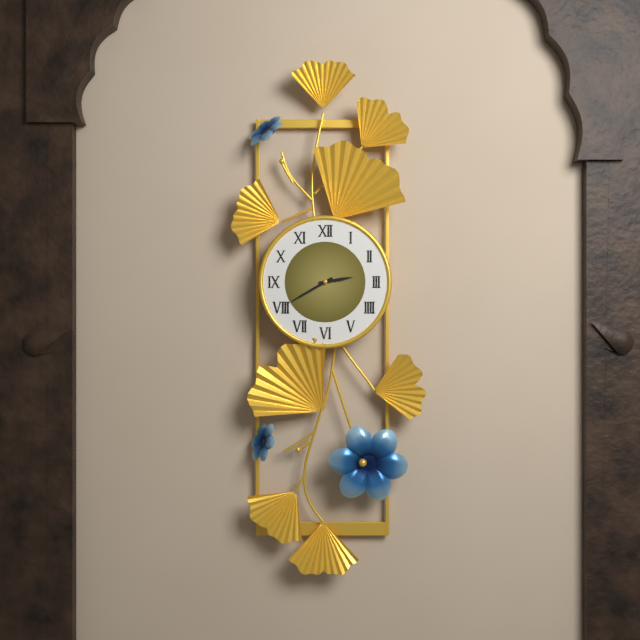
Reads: 2h40
